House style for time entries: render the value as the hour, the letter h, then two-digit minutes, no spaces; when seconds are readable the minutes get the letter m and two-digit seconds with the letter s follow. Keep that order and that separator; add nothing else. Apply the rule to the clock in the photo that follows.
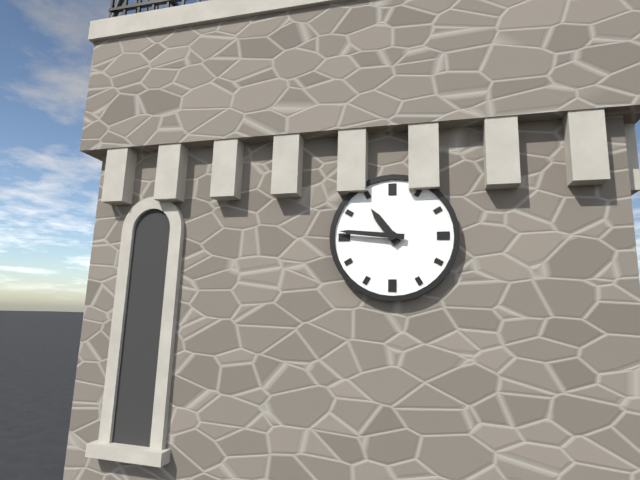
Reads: 10h46
